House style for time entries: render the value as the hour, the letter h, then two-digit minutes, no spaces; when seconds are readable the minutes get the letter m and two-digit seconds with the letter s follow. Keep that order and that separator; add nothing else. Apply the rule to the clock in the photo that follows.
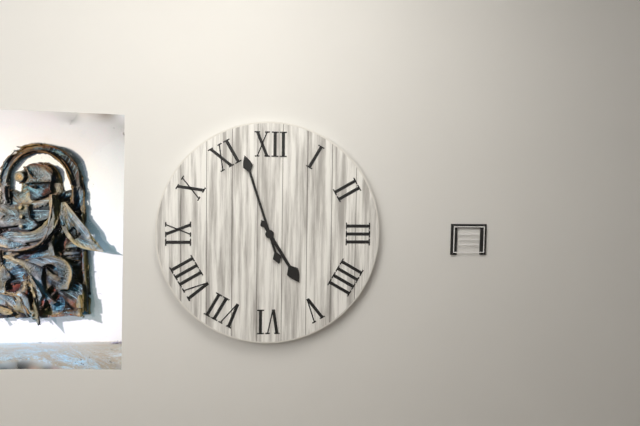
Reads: 4h57
